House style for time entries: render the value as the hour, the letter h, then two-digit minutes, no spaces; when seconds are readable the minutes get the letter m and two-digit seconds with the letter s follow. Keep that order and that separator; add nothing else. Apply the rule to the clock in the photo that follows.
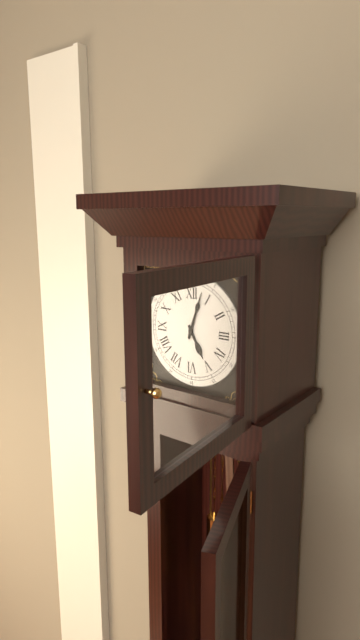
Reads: 5h03
